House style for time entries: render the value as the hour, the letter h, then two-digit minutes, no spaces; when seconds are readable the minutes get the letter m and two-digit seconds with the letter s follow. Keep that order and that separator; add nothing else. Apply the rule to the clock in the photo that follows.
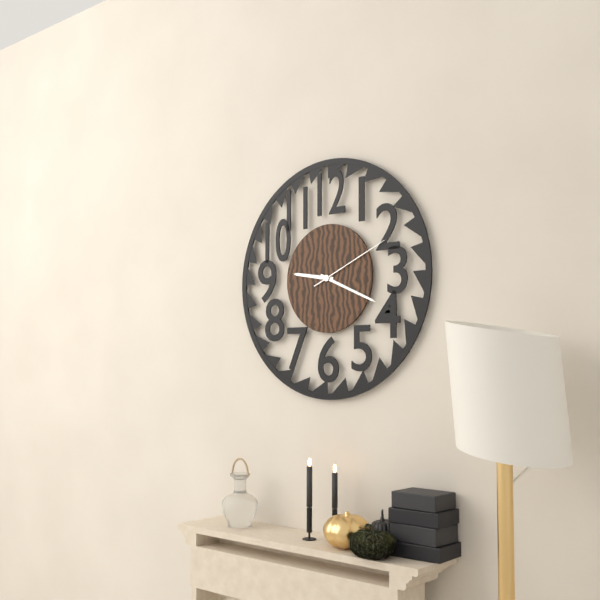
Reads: 9h19m11s
